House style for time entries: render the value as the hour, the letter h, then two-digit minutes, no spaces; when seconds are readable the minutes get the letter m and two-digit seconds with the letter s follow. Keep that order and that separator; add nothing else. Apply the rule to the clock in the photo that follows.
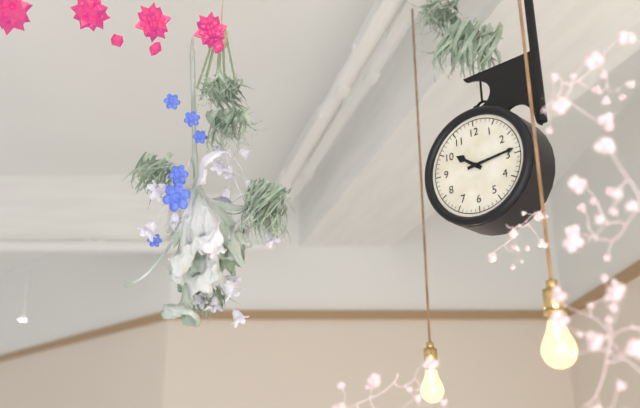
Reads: 10h14
